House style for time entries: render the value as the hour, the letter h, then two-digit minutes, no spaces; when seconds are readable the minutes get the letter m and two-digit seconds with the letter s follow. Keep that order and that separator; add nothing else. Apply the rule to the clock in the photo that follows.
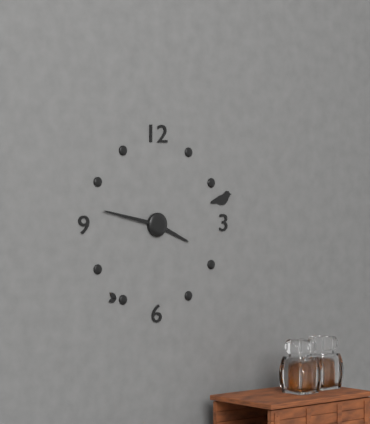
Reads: 3h47
